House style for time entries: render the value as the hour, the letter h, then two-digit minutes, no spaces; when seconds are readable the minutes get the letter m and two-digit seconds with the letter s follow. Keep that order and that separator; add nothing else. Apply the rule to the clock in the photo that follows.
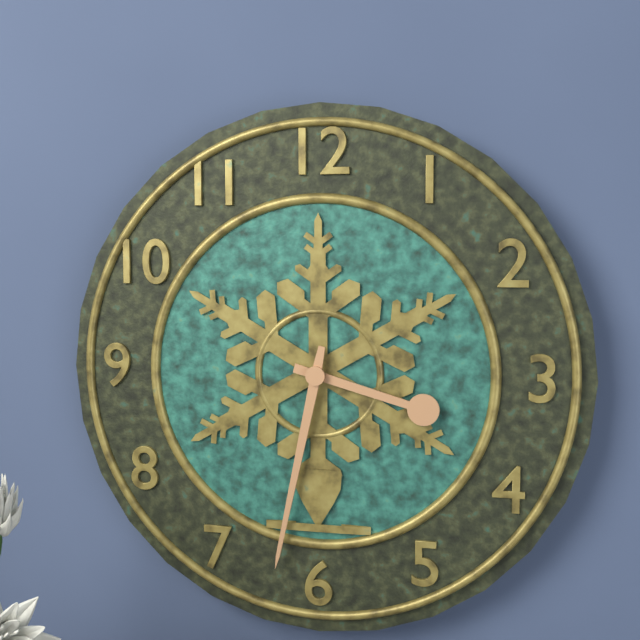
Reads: 3h32
